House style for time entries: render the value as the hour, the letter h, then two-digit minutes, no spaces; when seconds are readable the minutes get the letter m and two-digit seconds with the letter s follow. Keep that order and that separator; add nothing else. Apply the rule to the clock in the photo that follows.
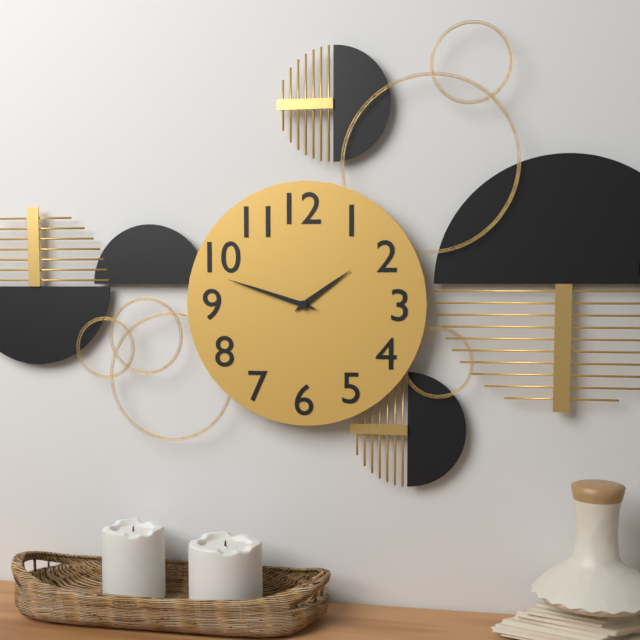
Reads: 1h48
